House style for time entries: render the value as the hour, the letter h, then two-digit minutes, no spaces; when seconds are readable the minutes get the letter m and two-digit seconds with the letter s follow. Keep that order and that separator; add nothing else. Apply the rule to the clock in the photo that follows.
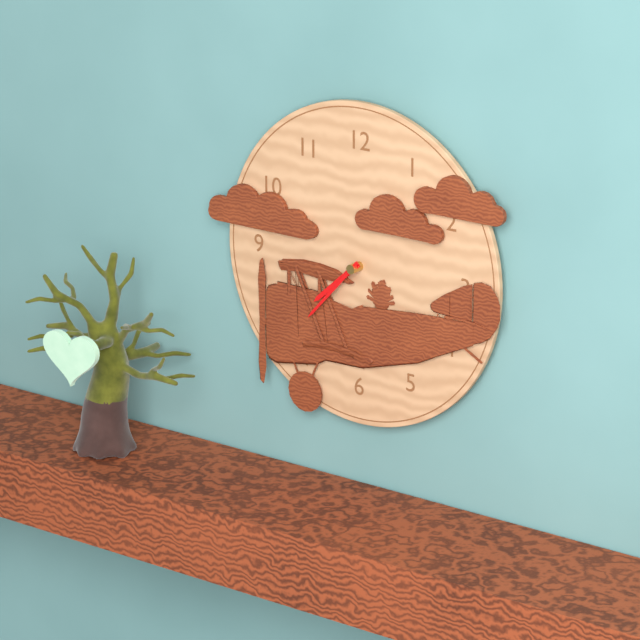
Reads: 7h37
